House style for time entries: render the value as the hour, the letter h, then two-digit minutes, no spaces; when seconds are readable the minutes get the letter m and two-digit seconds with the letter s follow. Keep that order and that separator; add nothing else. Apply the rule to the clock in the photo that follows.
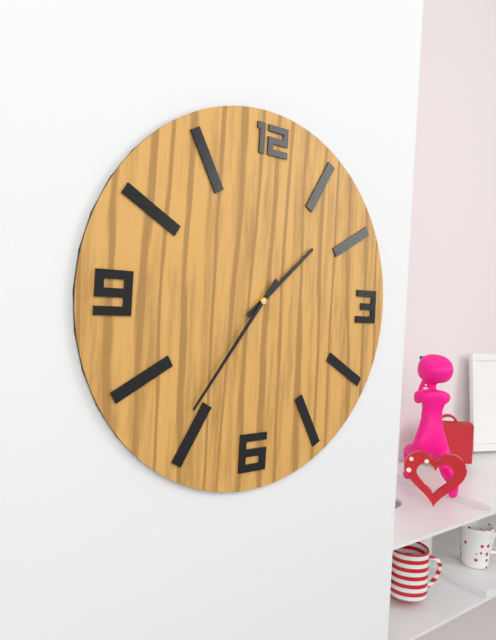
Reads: 1h36
